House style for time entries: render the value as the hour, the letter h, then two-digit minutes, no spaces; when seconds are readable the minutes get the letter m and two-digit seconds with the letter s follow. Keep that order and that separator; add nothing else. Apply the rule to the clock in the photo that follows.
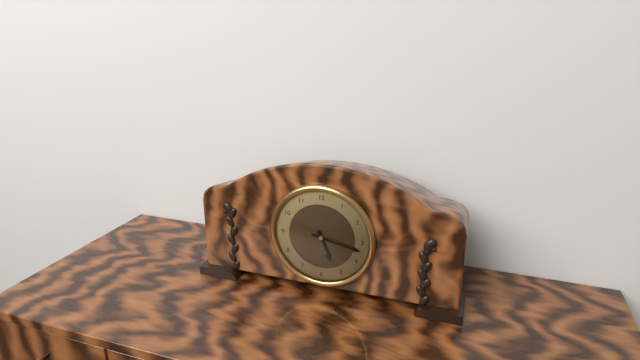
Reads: 5h17
